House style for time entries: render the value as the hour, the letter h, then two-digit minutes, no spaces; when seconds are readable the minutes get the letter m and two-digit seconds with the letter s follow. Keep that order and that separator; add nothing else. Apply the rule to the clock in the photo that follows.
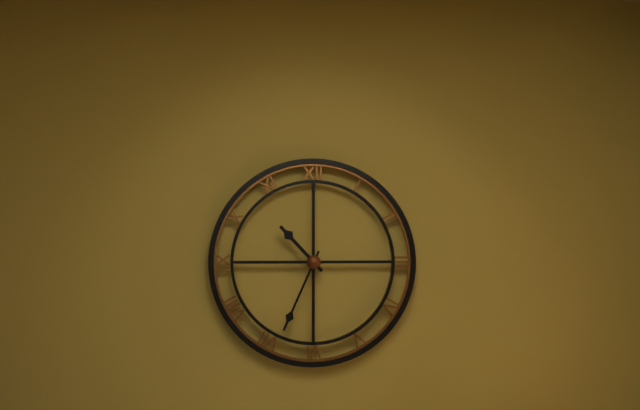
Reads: 10h34
